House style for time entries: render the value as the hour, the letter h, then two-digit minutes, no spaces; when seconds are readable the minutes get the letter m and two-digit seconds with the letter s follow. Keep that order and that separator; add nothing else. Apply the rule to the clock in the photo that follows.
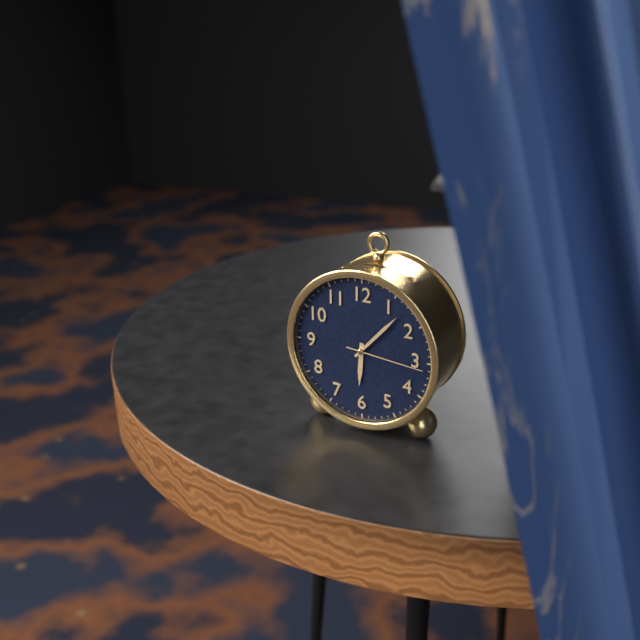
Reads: 6h07m16s
